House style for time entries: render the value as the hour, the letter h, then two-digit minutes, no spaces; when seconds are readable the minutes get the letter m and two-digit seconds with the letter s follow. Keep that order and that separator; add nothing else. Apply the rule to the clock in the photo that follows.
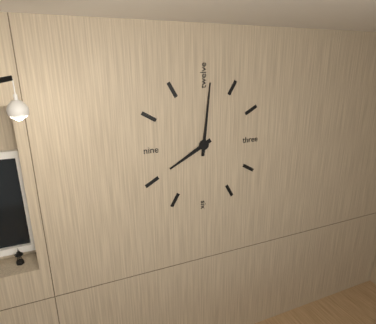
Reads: 8h01
